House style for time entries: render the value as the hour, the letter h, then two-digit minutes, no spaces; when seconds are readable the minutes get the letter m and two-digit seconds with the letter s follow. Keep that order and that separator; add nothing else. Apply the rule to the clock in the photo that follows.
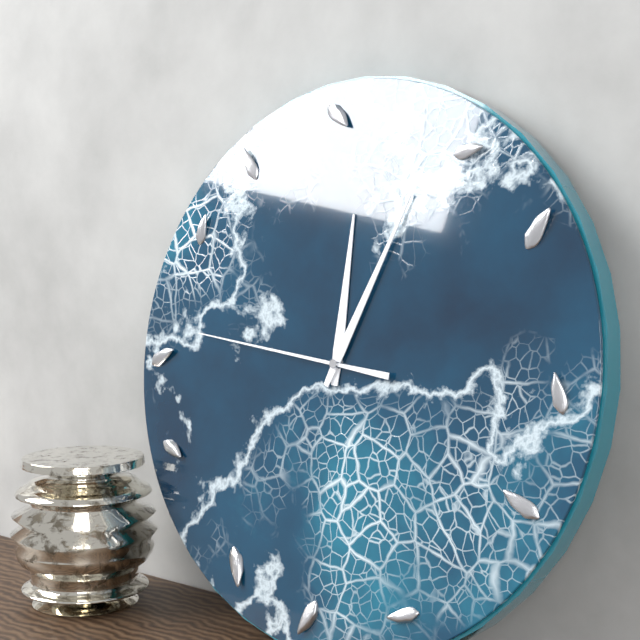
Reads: 12h04m46s
